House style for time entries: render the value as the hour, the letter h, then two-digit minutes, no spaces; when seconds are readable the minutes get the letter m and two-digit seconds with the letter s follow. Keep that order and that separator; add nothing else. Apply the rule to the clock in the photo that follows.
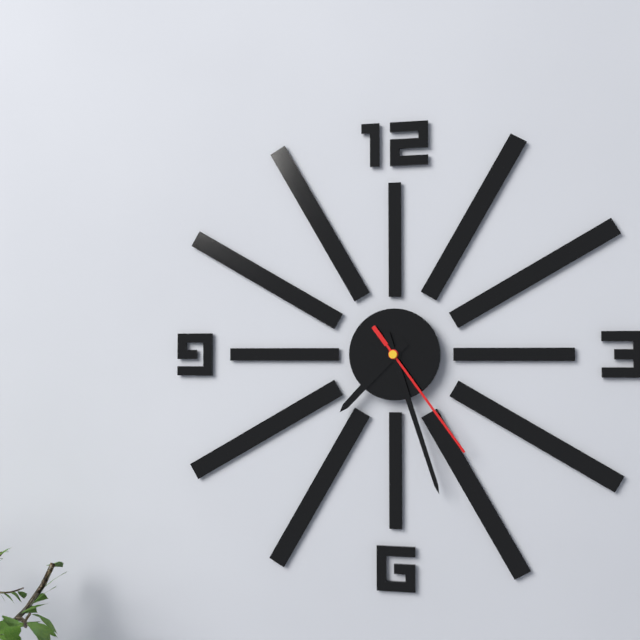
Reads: 7h27m24s
